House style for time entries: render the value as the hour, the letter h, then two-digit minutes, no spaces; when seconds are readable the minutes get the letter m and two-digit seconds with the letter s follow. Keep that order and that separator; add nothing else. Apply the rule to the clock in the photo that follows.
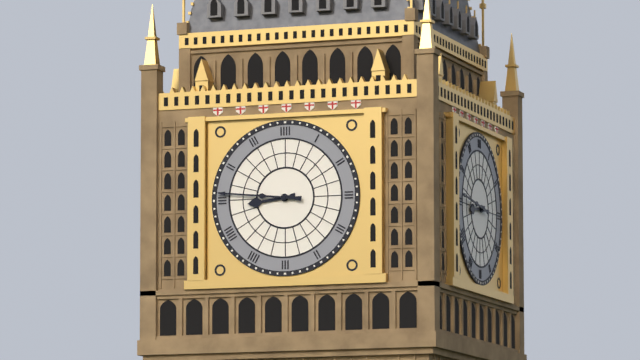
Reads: 8h46
